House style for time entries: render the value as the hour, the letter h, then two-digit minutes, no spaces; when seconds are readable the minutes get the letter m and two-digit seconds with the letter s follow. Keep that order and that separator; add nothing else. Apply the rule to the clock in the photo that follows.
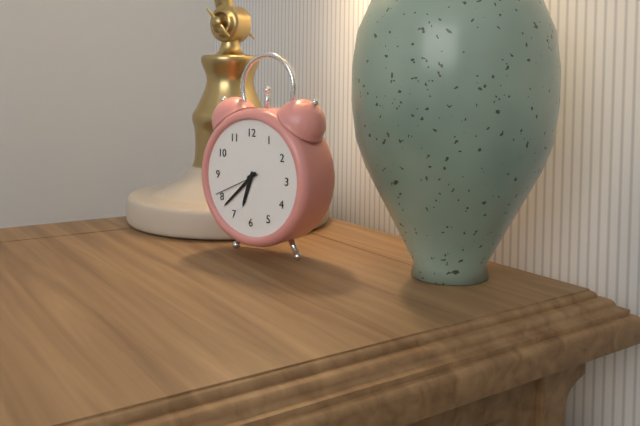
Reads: 6h38
